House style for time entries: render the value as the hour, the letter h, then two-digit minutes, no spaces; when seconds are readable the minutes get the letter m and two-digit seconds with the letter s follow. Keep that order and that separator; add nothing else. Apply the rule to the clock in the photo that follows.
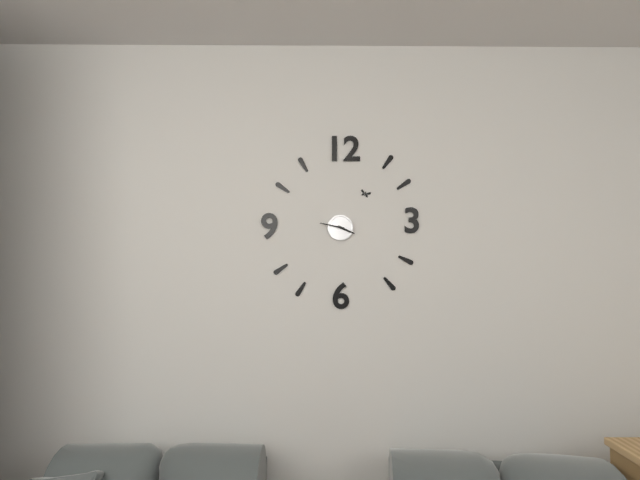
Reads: 3h47
